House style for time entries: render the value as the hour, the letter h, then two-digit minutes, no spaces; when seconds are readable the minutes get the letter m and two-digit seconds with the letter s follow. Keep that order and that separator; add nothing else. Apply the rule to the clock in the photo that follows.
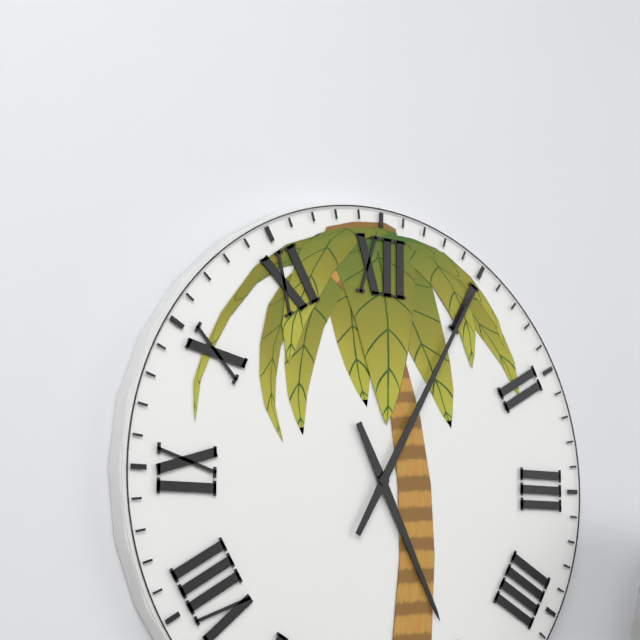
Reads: 5h05
